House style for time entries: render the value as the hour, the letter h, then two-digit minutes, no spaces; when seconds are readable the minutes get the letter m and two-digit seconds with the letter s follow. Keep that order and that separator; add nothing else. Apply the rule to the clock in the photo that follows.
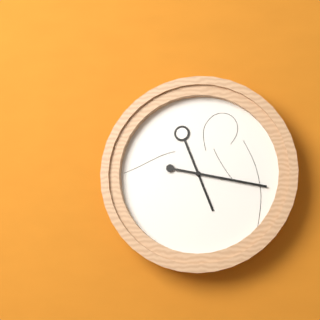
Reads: 5h17
